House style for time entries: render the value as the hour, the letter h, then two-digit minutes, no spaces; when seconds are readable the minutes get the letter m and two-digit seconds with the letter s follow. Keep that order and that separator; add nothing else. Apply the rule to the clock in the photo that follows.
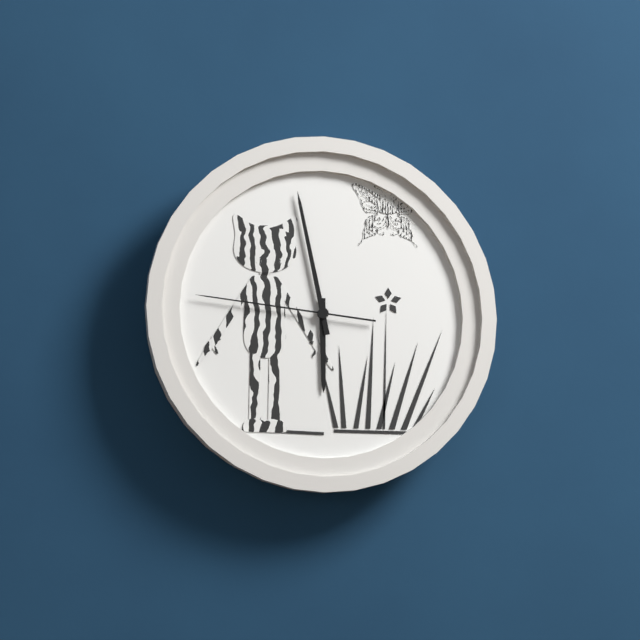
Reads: 5h58m46s
